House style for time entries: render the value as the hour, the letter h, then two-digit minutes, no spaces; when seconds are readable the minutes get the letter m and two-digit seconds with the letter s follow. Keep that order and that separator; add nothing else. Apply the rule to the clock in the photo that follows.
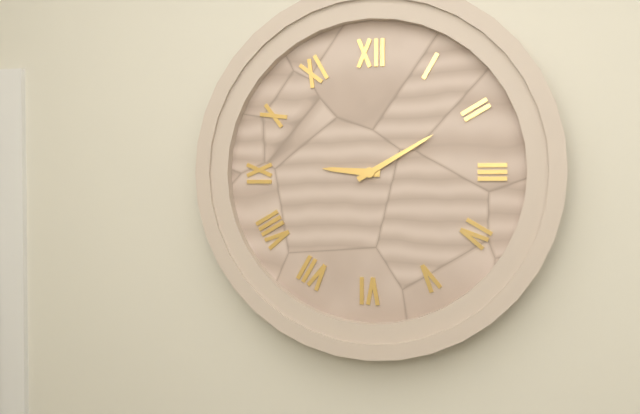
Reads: 9h10
